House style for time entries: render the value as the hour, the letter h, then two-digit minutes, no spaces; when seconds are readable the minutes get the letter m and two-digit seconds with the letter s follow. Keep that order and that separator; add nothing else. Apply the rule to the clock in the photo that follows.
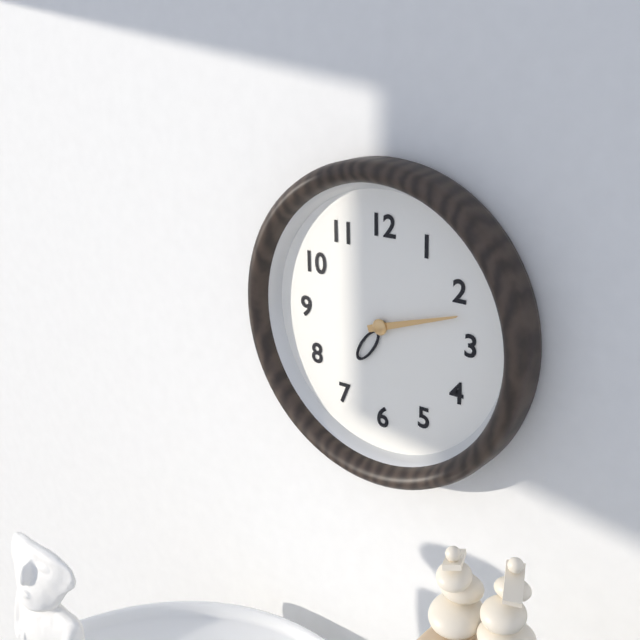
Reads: 7h12
